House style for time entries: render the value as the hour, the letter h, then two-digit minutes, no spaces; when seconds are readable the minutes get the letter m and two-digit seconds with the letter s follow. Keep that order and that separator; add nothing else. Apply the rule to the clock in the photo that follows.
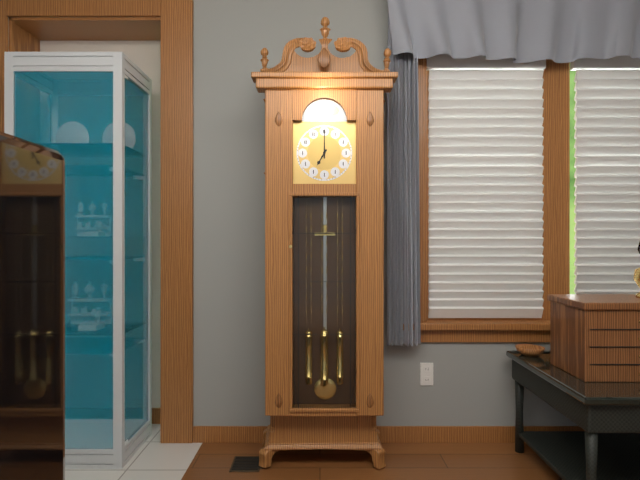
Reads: 7h00
